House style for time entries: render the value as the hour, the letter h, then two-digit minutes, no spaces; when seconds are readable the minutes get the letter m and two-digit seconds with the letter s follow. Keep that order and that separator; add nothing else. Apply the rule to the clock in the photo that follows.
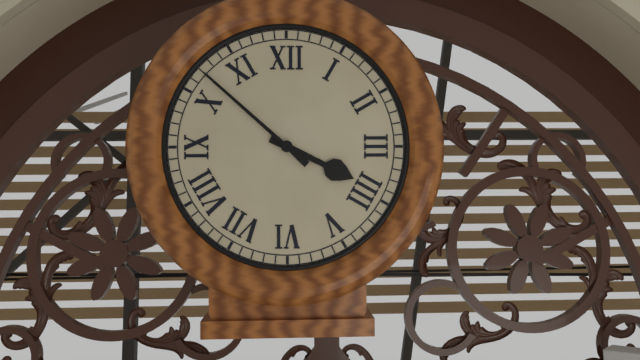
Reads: 3h52
